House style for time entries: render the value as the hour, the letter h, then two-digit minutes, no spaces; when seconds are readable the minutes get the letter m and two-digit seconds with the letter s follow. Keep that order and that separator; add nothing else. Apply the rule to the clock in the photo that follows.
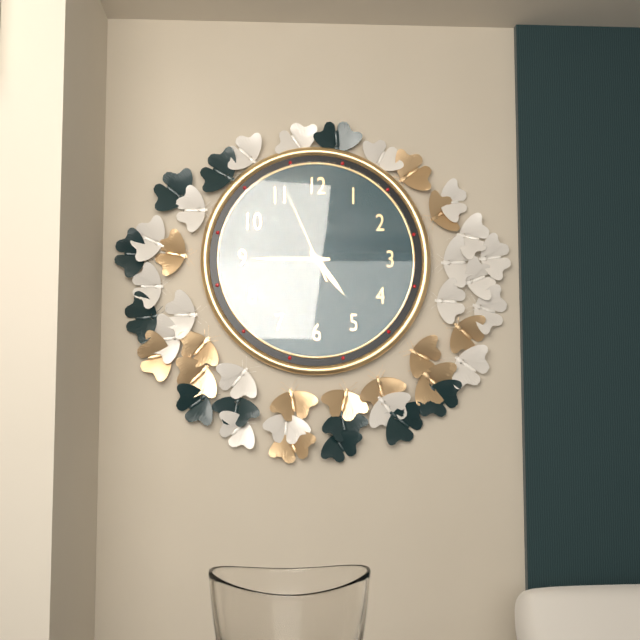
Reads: 4h45m56s
